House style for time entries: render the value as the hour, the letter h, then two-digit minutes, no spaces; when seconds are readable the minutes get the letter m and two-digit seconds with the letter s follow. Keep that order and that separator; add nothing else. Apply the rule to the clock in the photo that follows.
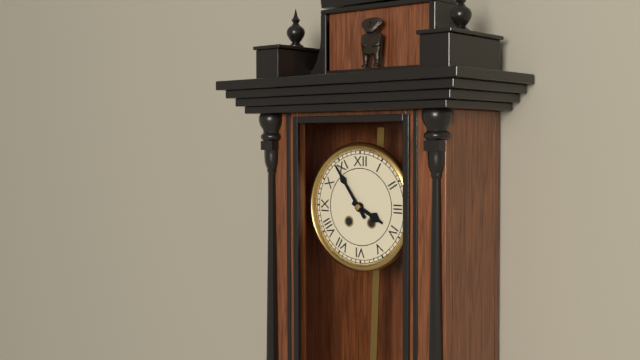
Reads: 3h54
